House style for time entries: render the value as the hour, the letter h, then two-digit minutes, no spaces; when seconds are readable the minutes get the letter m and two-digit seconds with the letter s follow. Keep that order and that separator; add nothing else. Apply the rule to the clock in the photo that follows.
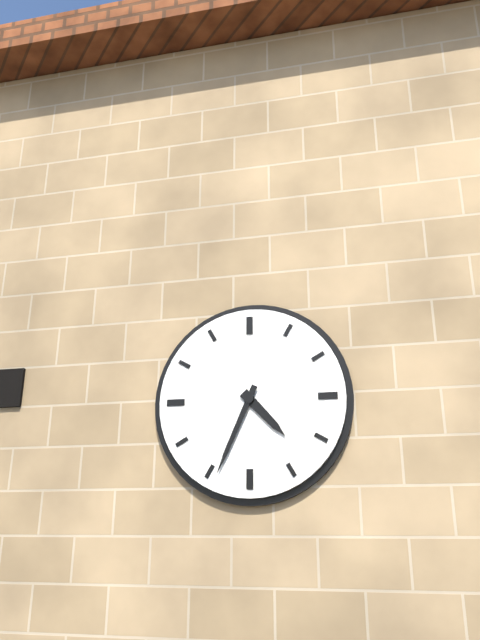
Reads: 4h34
